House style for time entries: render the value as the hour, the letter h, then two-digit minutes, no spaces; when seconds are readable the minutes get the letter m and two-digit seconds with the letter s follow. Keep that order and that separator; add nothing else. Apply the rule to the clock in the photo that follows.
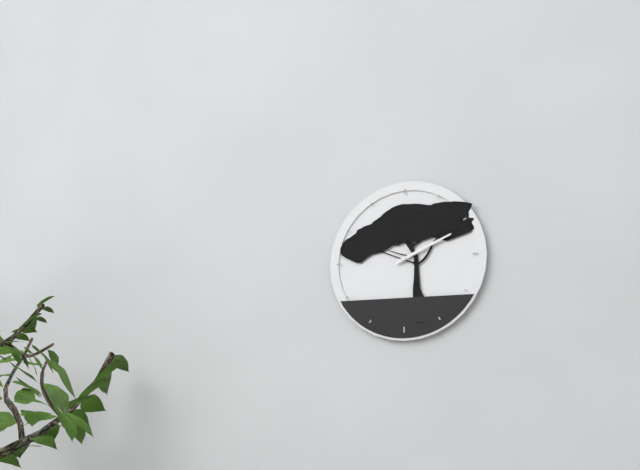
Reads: 2h11
